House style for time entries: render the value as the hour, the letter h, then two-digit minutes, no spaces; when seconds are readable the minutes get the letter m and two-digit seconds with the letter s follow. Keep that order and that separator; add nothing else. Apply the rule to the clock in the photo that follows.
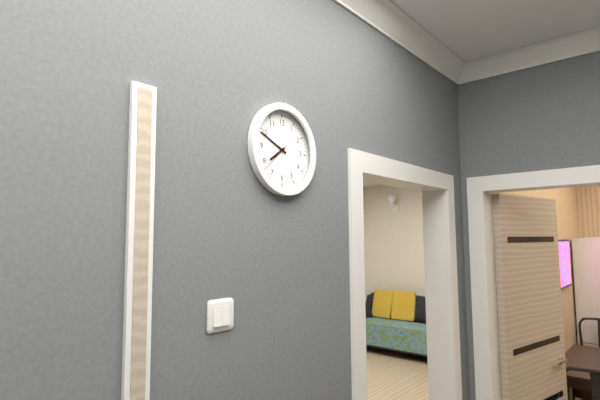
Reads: 7h49
